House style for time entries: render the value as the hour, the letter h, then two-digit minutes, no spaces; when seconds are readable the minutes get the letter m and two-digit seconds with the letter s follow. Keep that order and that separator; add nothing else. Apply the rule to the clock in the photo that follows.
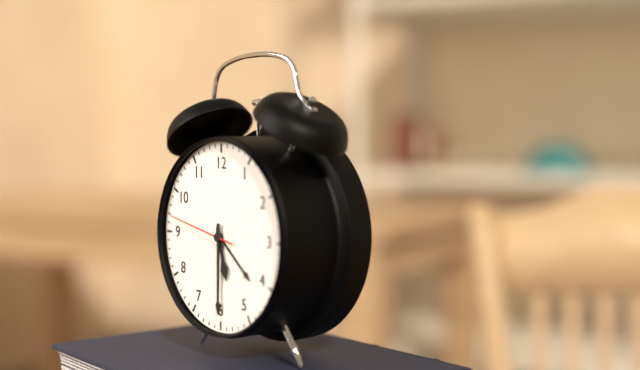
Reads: 5h30m47s
